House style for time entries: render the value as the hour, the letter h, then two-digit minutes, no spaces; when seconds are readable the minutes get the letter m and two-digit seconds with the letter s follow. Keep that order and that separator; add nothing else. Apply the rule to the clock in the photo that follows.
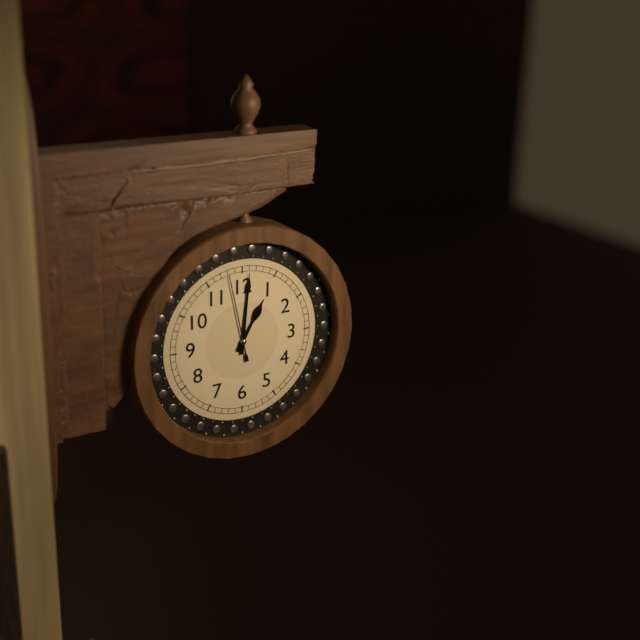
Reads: 1h01m58s
